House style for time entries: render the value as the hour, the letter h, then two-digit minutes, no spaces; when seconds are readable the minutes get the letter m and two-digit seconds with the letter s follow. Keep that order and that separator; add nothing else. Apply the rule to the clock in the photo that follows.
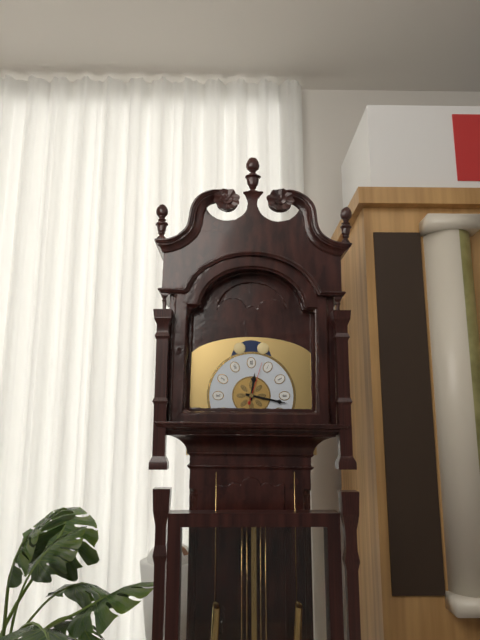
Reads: 12h17
